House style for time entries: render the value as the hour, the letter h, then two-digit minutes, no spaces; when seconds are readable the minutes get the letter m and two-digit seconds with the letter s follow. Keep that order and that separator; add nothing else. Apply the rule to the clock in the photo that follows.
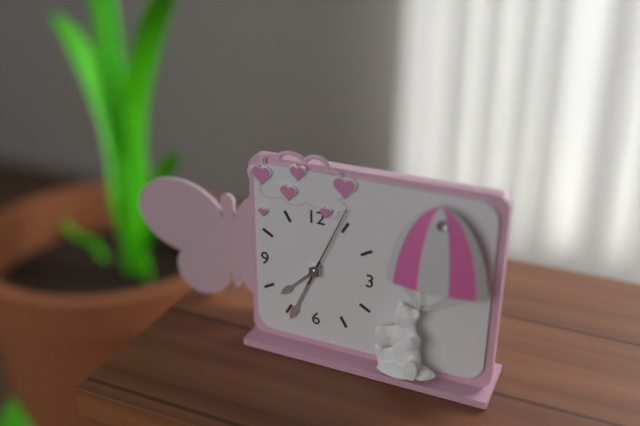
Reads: 7h34m04s
